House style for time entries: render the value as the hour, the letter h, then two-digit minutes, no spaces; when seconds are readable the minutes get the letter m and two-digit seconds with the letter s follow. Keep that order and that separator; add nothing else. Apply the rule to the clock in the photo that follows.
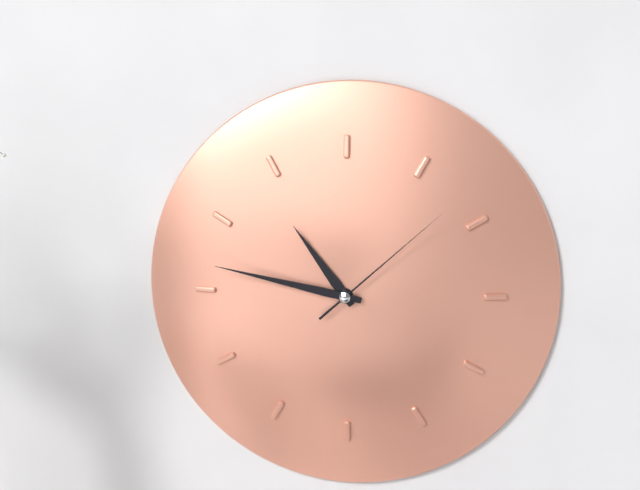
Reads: 10h47m08s
